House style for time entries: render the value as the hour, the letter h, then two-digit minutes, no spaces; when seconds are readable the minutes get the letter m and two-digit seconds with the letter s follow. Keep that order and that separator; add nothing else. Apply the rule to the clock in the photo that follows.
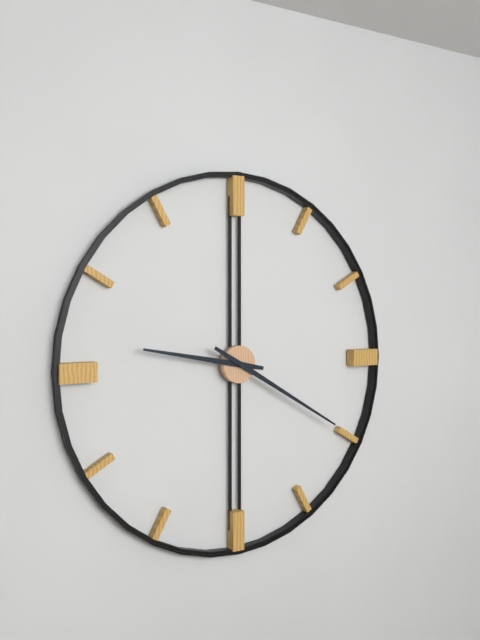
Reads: 9h20
